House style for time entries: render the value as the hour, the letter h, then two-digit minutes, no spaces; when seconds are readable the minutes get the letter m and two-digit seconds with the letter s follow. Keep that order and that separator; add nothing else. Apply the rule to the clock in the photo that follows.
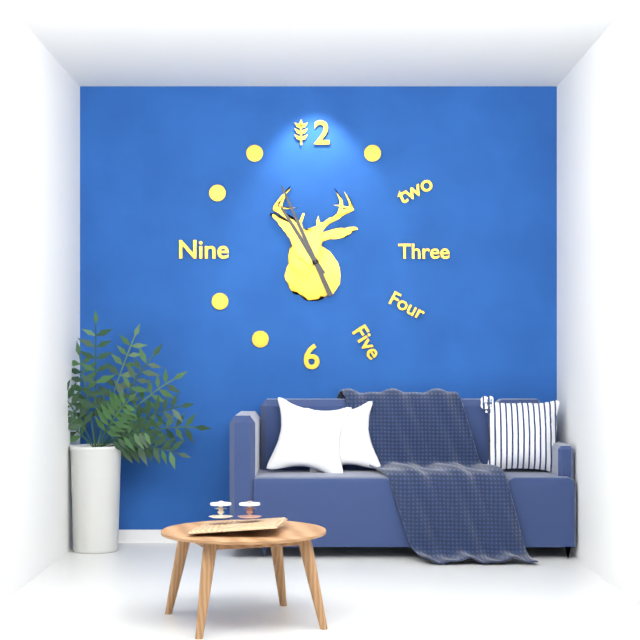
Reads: 10h56
